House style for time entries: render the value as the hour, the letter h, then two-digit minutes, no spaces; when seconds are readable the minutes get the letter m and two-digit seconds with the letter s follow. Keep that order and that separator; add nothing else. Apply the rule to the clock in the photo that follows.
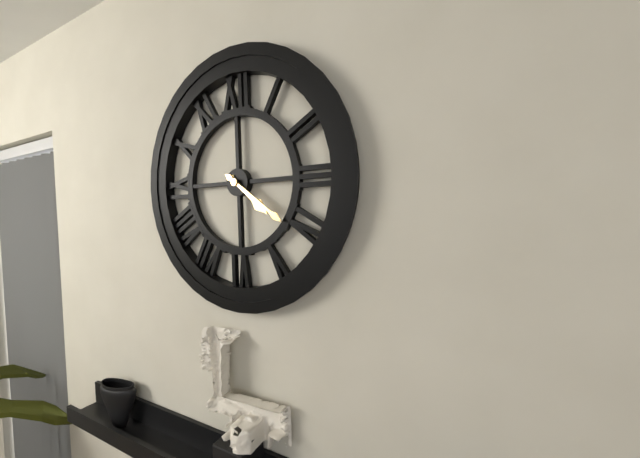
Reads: 4h21
